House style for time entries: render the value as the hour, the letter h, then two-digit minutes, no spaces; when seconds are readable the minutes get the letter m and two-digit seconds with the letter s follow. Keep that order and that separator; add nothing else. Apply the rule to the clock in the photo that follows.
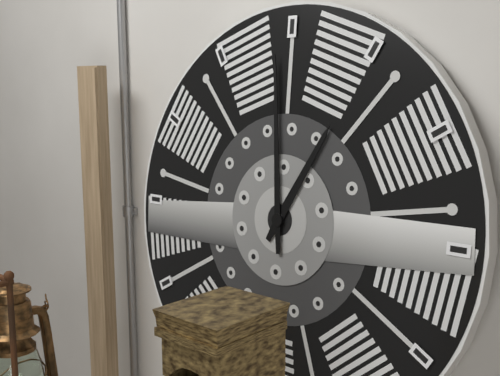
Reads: 12h59
